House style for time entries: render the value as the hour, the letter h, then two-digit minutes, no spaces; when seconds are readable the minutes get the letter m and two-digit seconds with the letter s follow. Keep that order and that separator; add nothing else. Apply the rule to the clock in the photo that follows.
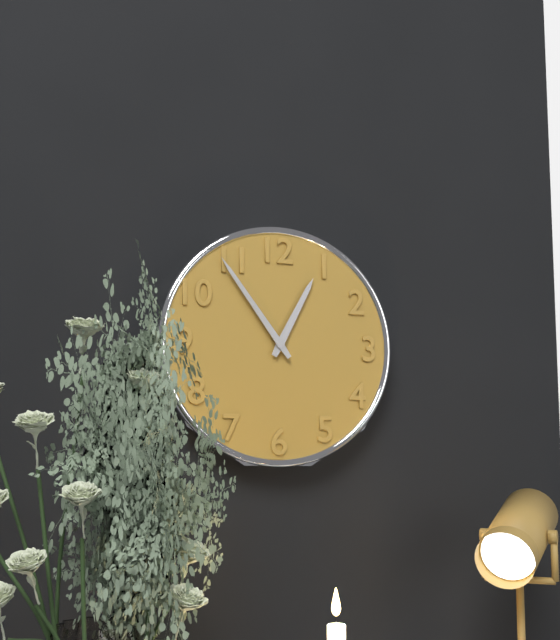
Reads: 12h54
